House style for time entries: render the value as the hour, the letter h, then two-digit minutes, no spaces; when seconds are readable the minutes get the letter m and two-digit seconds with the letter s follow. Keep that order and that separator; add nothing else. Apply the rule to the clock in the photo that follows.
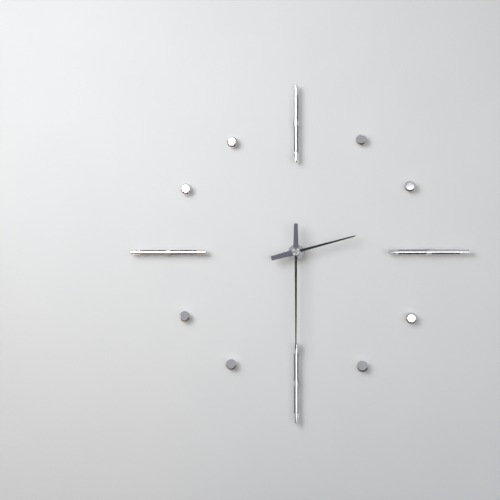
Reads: 2h30
